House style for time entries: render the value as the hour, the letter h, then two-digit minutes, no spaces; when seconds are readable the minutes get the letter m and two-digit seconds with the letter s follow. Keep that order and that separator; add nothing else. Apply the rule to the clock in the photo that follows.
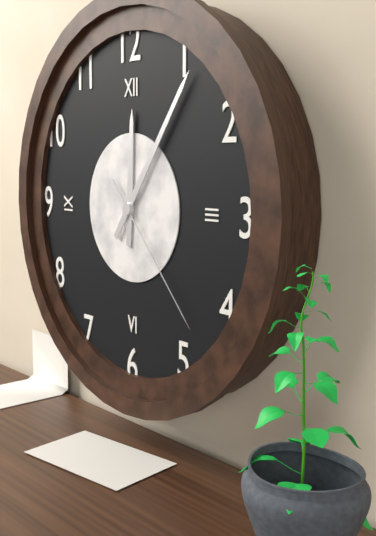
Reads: 12h06m23s
